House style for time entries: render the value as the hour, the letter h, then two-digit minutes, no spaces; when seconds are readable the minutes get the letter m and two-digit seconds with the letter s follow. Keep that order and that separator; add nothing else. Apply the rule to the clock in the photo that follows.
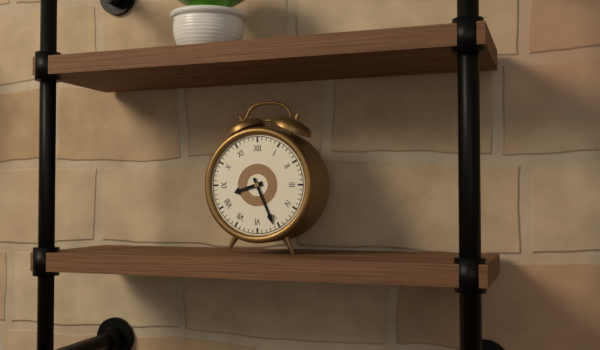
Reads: 8h26
